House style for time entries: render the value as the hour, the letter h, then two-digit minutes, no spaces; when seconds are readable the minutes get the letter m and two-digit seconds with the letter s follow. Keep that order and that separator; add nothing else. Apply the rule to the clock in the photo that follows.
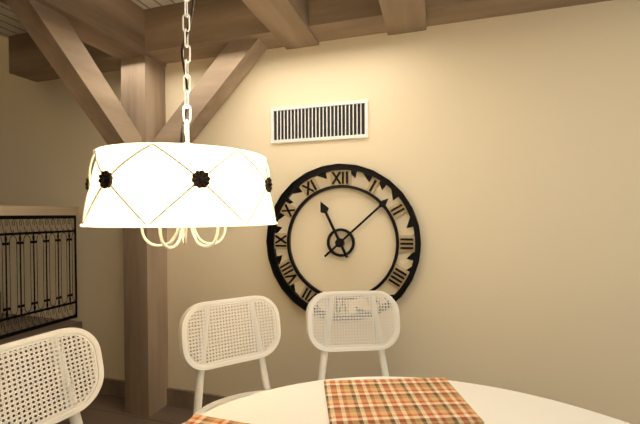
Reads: 11h08
